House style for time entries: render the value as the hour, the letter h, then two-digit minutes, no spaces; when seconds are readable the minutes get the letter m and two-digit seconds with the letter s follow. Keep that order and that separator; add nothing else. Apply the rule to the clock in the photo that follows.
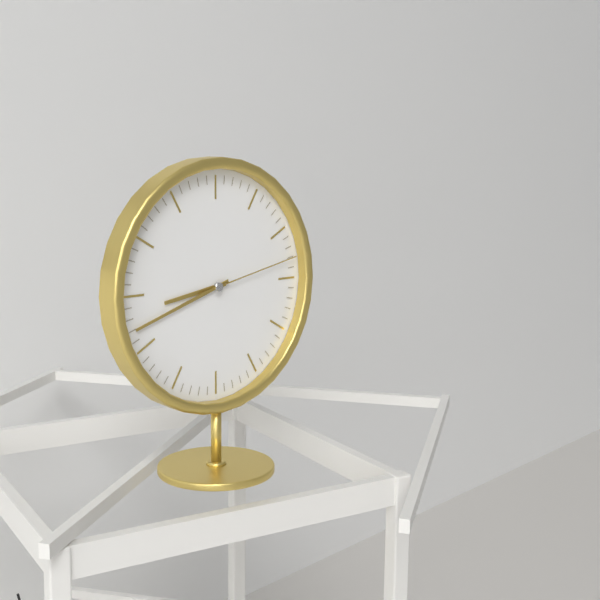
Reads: 8h42m13s
